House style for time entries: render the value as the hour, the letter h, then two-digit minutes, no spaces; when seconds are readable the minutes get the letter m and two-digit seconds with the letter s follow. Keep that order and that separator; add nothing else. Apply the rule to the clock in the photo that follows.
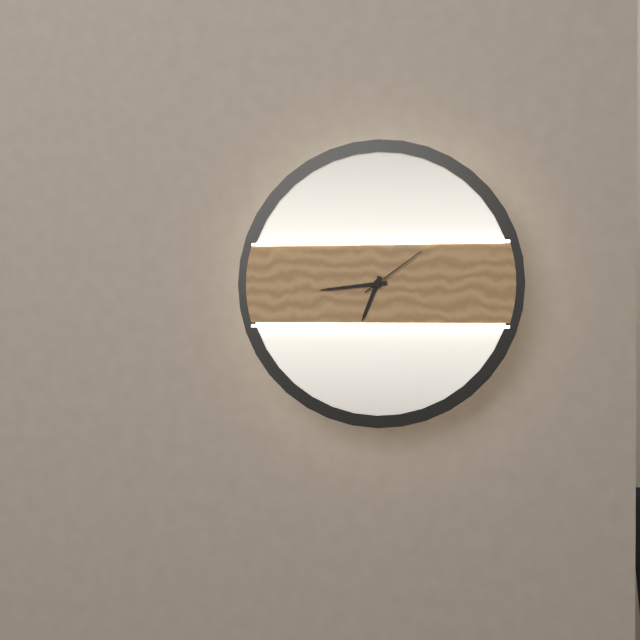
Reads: 6h44m09s
